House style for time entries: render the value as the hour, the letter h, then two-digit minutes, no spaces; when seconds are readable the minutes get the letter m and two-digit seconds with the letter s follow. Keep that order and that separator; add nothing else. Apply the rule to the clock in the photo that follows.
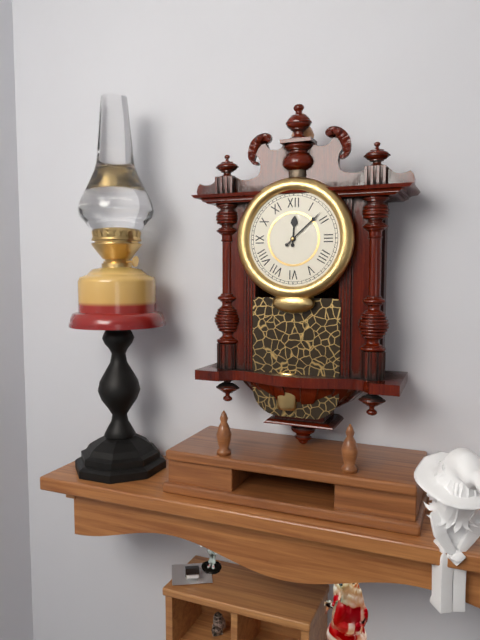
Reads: 12h08
